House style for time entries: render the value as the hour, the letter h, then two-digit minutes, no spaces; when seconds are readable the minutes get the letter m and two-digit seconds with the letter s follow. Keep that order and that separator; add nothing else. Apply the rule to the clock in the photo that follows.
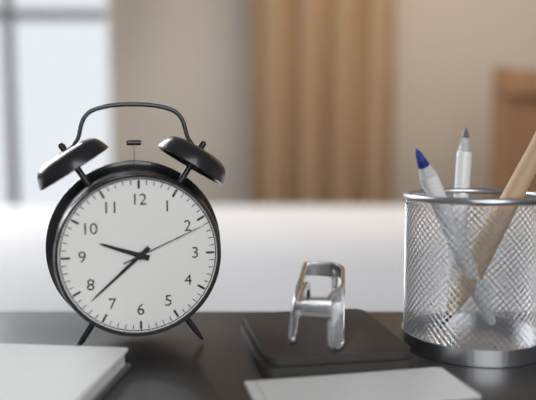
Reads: 9h38m11s
